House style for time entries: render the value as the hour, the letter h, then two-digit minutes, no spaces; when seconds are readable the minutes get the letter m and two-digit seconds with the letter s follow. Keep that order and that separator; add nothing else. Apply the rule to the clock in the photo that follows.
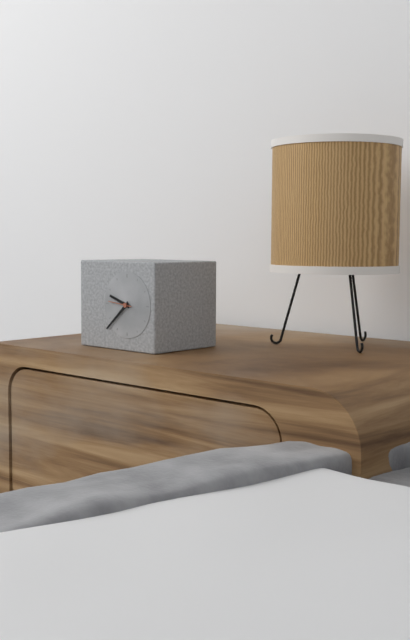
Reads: 9h38
